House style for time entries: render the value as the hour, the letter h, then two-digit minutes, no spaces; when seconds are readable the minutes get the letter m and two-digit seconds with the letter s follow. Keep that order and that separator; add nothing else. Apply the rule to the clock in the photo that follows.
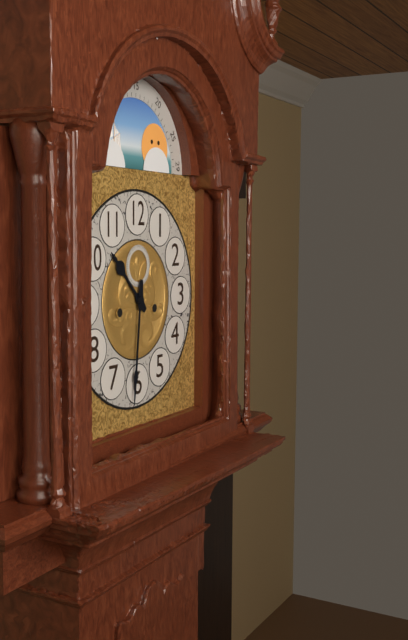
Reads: 10h31
